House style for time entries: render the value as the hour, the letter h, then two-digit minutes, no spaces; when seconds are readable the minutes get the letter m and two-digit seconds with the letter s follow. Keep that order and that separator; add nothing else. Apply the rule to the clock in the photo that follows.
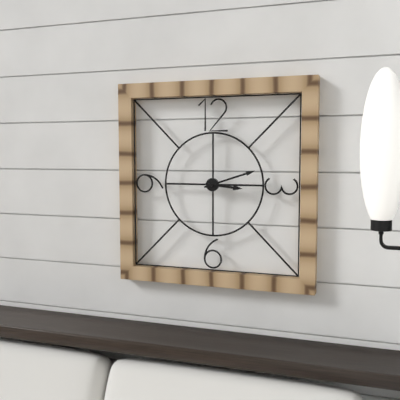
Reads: 3h12
